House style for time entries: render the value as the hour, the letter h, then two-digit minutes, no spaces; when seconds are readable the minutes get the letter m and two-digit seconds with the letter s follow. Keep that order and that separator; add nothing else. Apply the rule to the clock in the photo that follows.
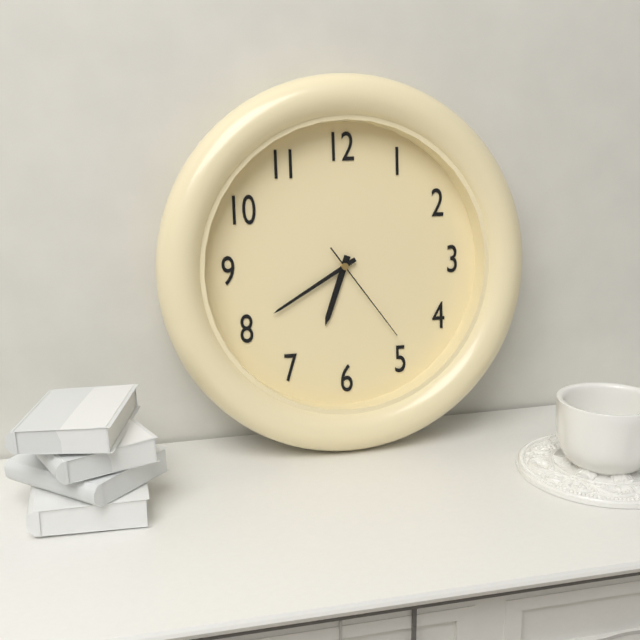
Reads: 6h40m24s
